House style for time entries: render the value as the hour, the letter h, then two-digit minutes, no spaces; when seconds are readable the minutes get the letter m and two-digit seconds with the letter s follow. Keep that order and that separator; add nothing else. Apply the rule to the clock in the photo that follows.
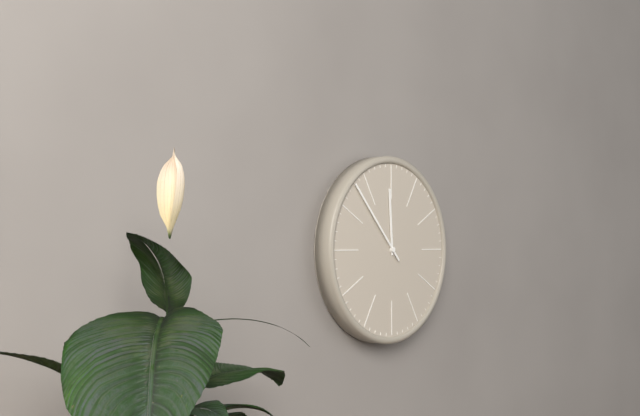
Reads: 11h53
